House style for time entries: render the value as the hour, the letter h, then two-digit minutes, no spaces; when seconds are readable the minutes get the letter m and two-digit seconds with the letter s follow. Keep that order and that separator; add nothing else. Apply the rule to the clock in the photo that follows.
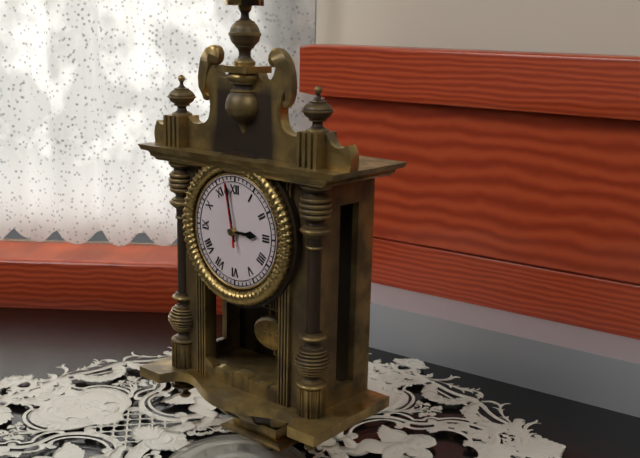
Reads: 2h58m58s
